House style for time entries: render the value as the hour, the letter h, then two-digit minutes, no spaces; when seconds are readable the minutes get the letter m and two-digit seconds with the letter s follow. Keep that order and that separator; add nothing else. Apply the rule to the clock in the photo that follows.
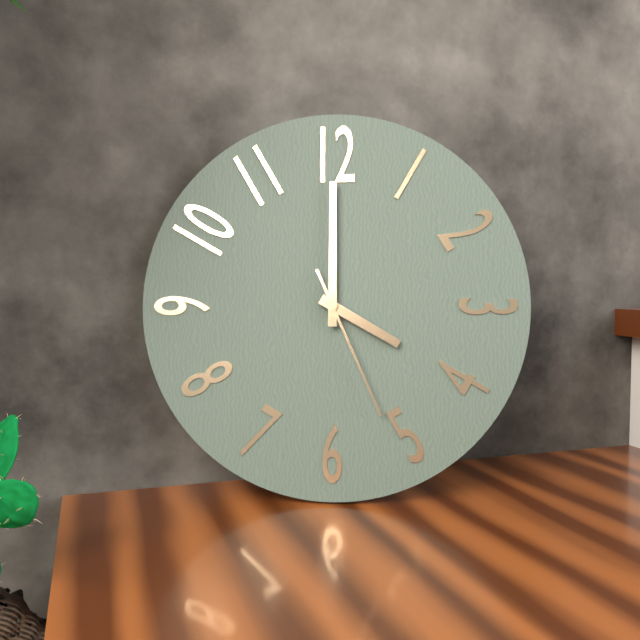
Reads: 4h00m26s
